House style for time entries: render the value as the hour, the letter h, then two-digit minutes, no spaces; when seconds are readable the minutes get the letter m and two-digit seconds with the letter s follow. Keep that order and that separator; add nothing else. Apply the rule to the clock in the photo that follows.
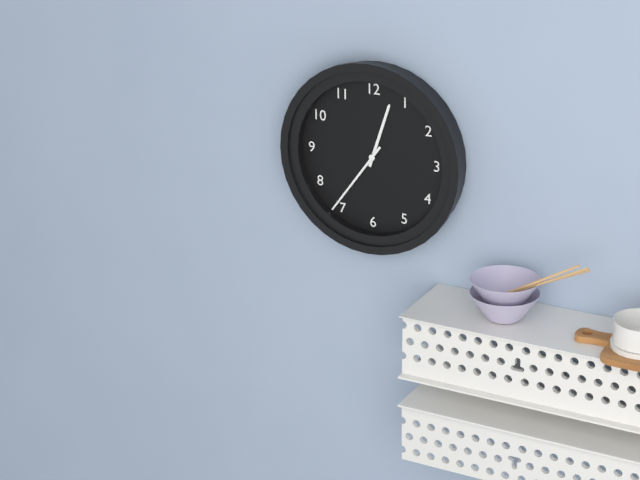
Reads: 12h36
